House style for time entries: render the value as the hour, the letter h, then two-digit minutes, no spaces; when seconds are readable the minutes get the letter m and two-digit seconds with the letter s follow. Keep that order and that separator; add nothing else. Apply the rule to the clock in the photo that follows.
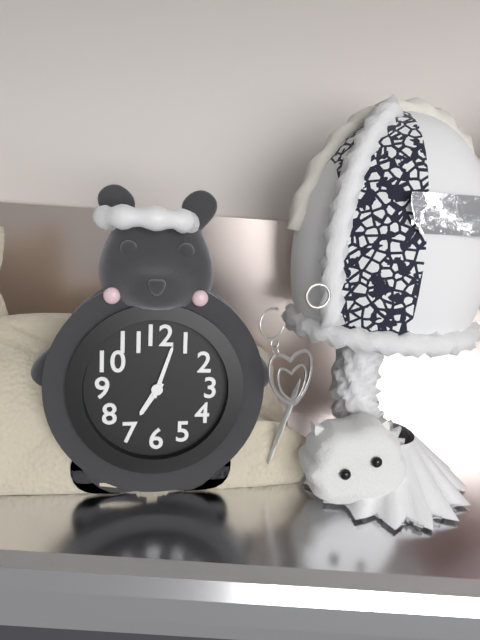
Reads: 7h03
